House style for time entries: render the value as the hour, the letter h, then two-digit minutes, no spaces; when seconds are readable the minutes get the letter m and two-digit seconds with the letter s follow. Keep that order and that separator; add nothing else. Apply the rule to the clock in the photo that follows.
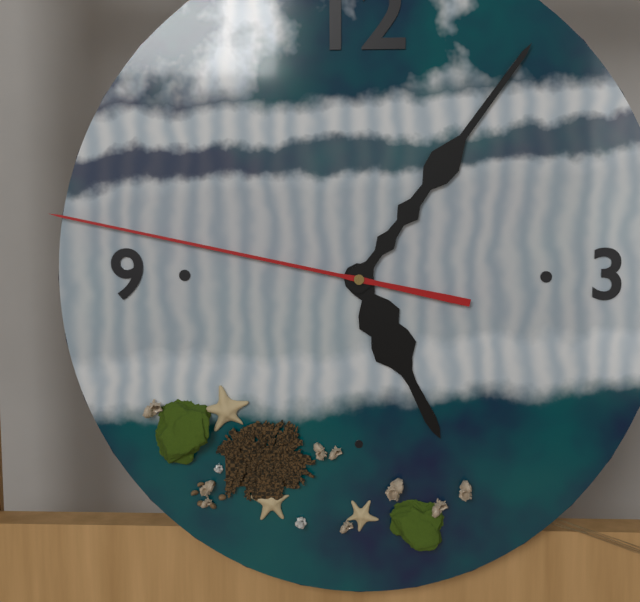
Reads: 5h06m47s
